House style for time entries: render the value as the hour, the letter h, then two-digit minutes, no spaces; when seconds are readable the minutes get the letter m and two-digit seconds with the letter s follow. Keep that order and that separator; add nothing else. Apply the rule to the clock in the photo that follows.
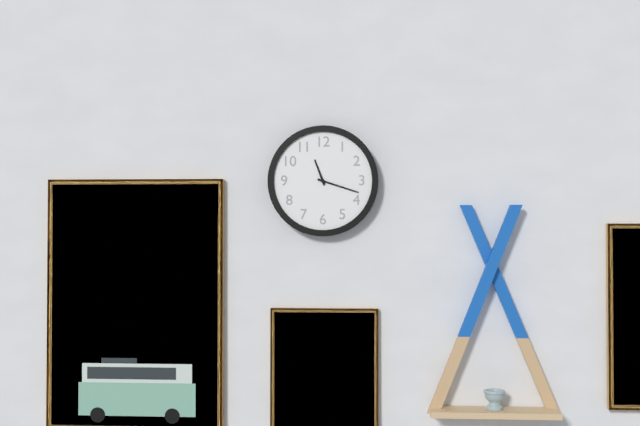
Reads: 11h18
